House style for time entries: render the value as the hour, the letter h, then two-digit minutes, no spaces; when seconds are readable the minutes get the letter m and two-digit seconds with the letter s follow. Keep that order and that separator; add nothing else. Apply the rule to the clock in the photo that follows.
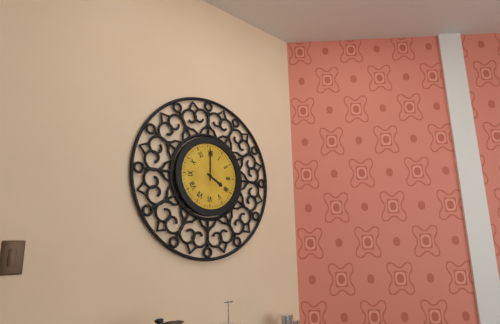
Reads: 4h00
